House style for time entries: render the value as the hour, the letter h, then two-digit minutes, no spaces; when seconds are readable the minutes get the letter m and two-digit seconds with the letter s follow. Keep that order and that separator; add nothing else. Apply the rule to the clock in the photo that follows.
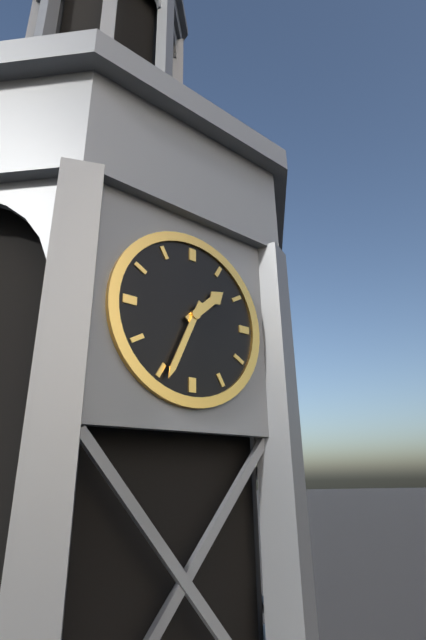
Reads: 1h34
